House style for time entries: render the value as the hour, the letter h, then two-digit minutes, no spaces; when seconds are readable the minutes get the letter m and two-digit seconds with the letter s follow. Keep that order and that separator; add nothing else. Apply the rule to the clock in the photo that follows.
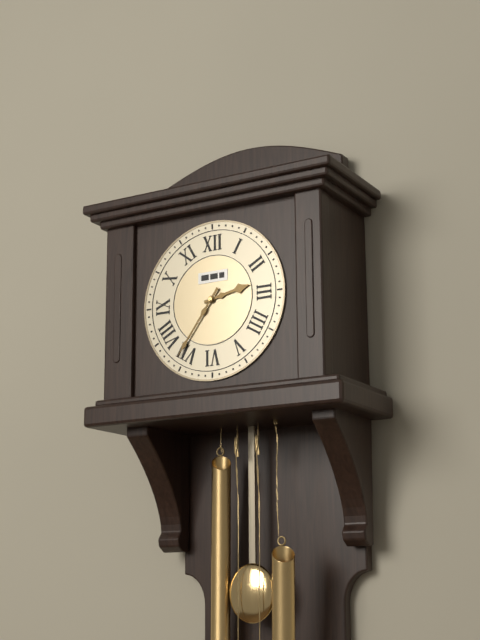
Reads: 2h36
